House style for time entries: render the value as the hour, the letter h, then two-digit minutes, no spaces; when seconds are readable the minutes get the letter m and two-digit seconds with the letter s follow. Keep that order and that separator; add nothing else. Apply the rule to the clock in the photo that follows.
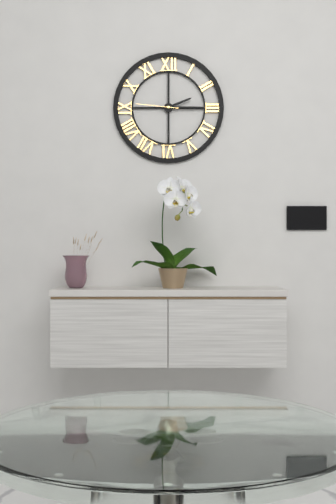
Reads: 2h15
